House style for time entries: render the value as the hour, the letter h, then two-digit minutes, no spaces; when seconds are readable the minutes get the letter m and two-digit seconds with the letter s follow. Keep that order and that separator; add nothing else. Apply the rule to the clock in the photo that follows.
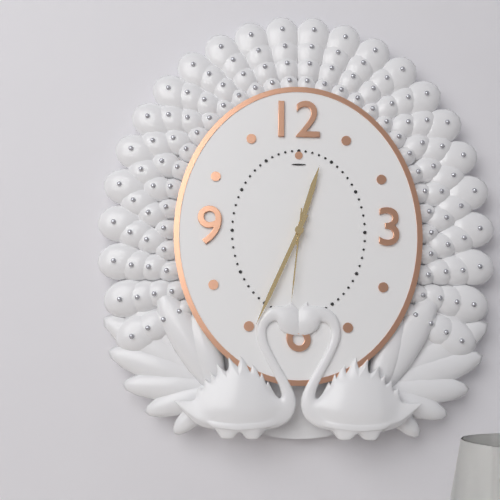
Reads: 12h34m31s
